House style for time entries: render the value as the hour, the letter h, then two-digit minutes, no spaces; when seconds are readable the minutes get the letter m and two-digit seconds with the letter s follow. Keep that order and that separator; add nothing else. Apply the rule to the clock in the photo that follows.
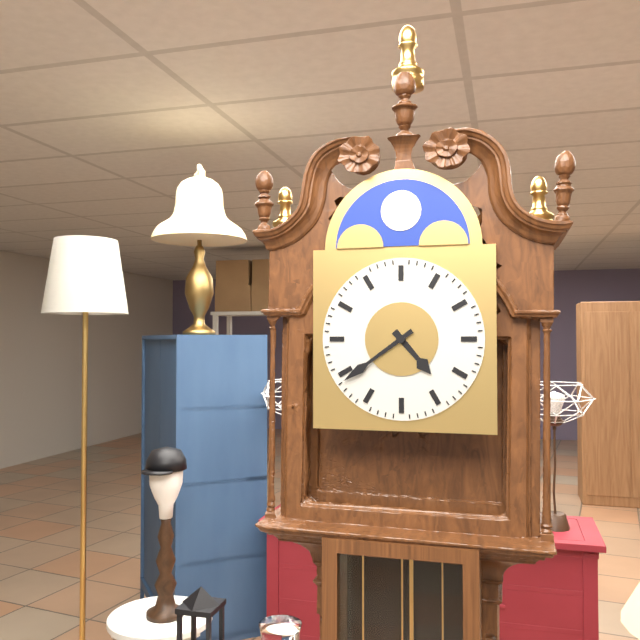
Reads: 4h39
